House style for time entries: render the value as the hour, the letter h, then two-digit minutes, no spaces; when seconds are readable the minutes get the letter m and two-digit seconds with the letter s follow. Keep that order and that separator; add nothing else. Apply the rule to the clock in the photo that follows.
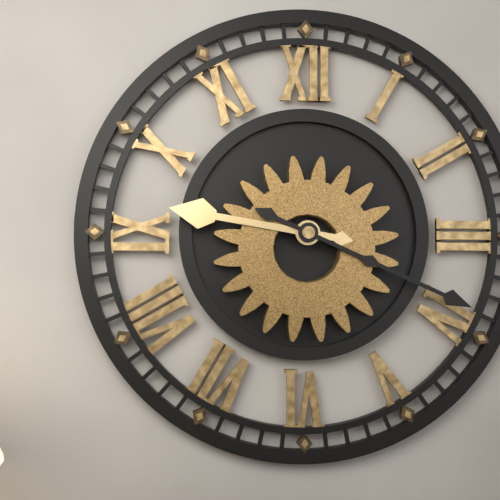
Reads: 9h19
